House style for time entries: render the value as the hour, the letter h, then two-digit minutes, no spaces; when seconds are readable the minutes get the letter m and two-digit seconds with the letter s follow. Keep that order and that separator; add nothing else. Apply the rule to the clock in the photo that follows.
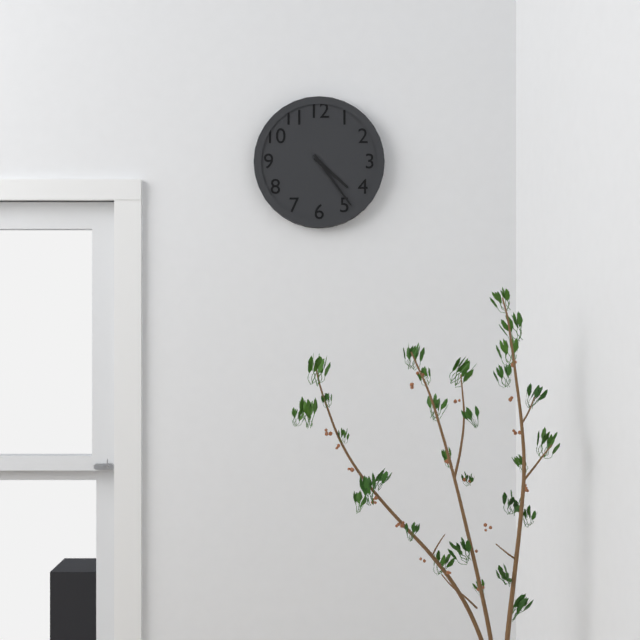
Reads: 4h24
